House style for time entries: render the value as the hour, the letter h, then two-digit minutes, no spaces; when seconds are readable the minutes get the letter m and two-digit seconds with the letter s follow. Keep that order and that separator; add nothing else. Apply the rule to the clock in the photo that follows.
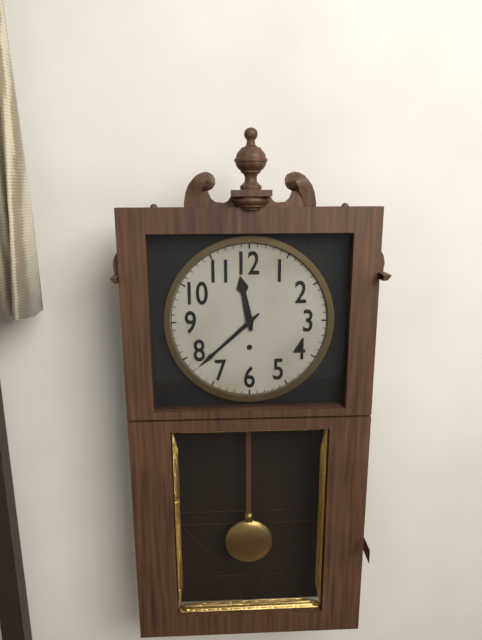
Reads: 11h38
